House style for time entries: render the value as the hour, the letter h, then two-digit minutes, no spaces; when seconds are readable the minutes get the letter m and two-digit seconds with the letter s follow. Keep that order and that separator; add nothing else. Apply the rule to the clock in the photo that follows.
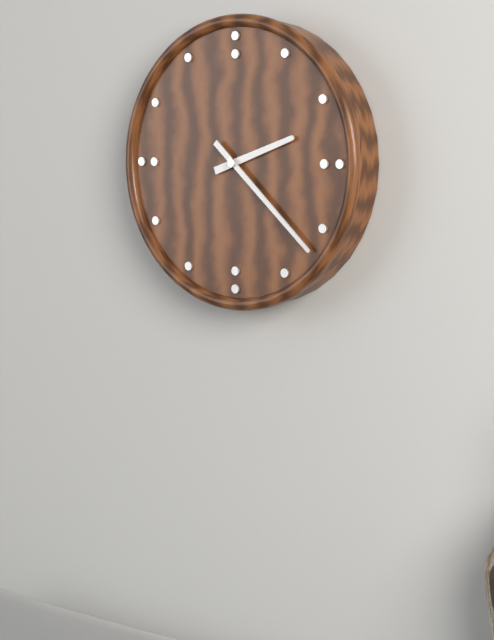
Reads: 2h22
